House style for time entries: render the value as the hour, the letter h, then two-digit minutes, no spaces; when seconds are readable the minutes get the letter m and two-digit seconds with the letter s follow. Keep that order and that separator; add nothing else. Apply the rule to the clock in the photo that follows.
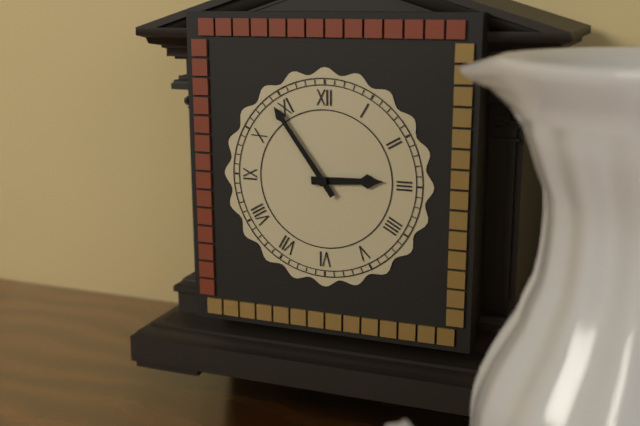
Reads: 2h54
